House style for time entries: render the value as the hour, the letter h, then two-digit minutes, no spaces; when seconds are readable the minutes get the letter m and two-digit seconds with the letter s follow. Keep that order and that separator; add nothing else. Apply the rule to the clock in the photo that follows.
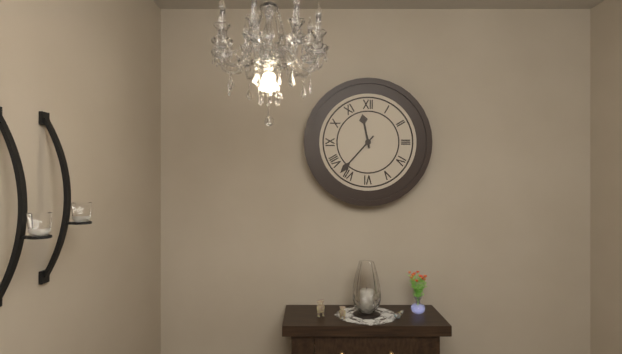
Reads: 11h37
